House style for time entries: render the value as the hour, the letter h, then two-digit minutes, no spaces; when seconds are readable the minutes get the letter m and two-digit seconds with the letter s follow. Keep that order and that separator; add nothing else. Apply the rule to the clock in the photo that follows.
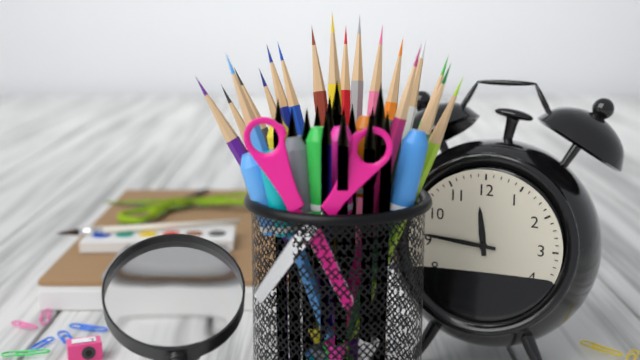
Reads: 11h46
